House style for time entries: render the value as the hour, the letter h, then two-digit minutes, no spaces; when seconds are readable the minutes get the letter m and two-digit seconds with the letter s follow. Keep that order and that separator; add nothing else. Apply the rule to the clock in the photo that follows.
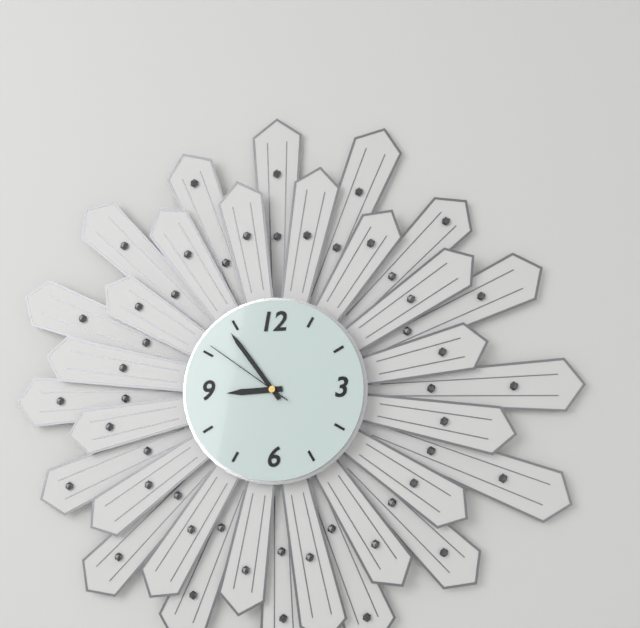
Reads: 8h54m51s
